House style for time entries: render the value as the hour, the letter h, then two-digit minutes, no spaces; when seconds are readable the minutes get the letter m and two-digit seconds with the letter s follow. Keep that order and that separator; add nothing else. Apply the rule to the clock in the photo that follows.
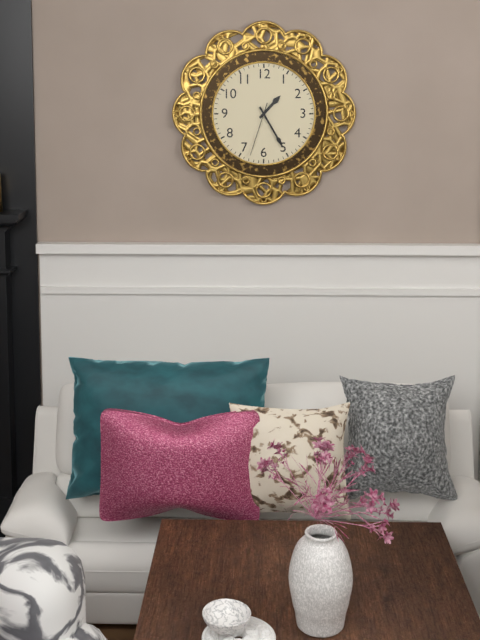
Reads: 1h25m33s
